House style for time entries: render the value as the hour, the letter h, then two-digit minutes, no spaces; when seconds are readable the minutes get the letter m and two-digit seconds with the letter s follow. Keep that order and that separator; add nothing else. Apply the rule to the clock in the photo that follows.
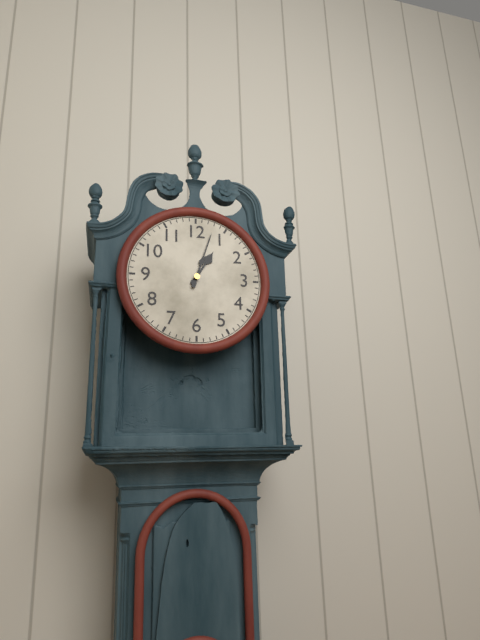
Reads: 1h03
